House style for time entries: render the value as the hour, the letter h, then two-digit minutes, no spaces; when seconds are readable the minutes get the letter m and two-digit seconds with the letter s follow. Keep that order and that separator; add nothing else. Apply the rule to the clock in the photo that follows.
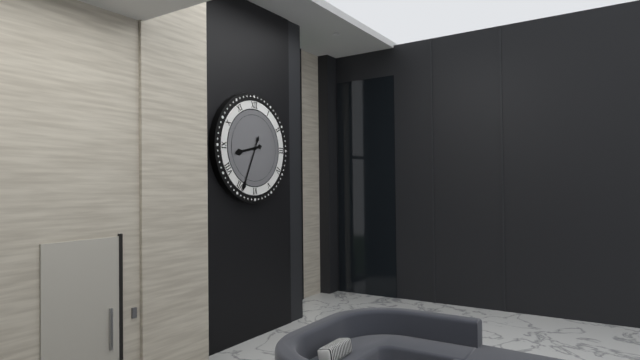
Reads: 8h34
